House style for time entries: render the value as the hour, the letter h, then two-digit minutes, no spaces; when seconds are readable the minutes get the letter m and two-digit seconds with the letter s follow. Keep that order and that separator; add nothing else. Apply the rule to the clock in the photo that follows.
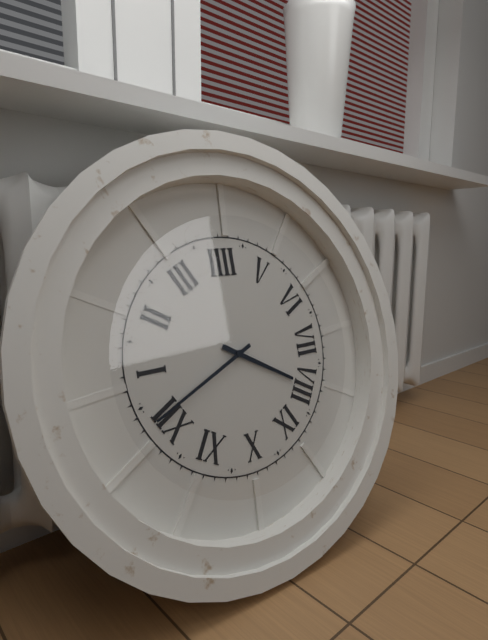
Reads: 8h01
